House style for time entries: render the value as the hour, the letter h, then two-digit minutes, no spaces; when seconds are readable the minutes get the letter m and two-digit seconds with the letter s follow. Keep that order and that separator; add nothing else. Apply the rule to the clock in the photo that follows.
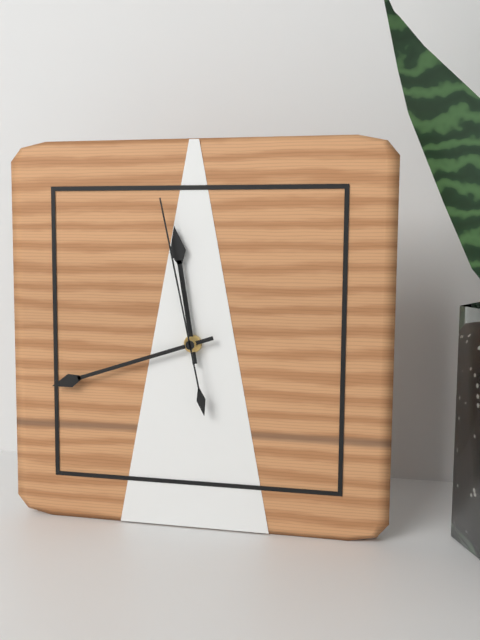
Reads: 11h42m58s
